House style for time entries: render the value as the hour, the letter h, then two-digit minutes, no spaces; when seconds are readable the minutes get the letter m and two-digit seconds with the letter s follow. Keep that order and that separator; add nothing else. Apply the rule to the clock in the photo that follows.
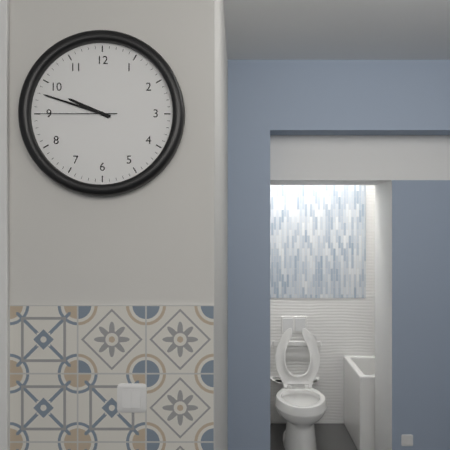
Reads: 9h48m45s
